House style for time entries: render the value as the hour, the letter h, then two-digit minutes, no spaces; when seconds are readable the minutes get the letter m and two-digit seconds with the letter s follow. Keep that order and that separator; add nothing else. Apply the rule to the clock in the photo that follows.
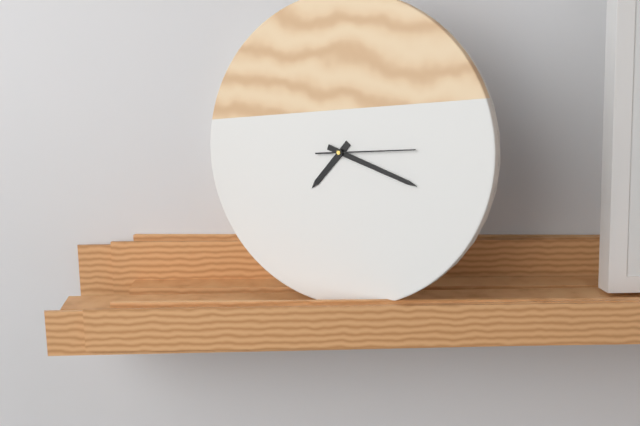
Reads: 7h18m14s
